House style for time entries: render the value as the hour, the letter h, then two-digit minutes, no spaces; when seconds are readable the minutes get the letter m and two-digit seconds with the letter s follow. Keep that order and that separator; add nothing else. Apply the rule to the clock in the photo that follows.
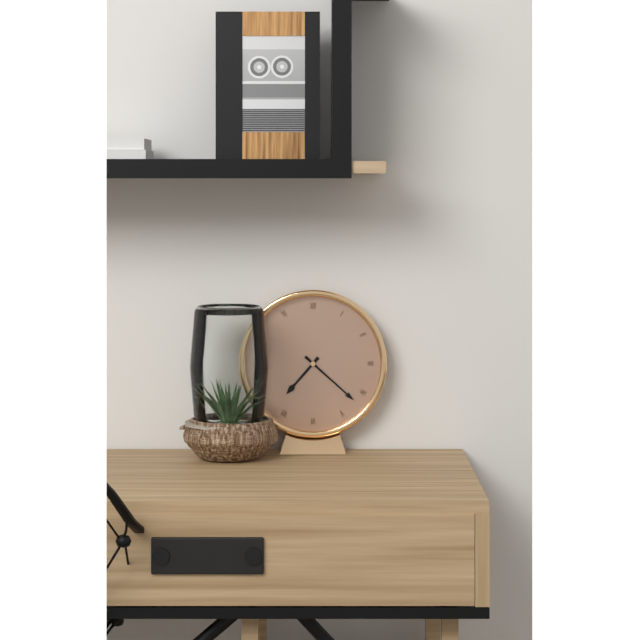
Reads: 7h22
